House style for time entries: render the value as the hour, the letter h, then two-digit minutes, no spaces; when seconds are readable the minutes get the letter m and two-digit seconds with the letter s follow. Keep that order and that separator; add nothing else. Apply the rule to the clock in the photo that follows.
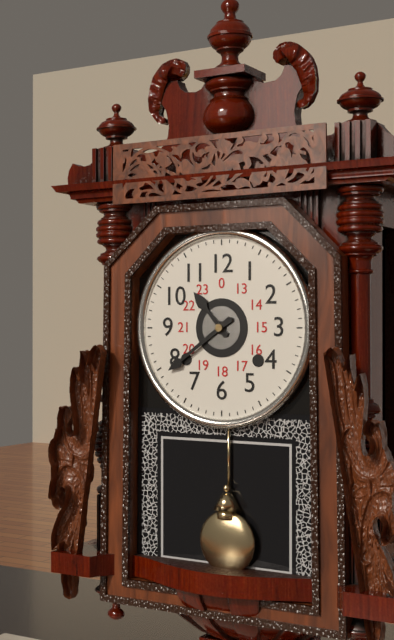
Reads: 10h39
